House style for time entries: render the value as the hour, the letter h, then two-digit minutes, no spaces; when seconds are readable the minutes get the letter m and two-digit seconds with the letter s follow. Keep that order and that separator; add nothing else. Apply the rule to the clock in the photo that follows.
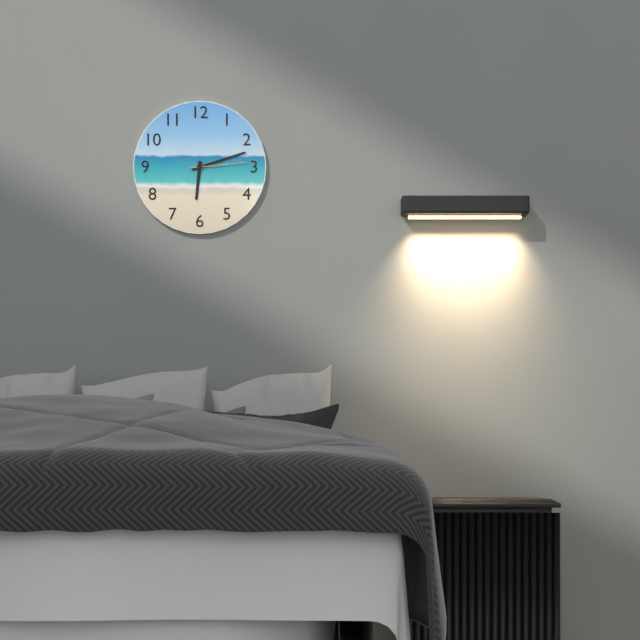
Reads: 6h12m14s
